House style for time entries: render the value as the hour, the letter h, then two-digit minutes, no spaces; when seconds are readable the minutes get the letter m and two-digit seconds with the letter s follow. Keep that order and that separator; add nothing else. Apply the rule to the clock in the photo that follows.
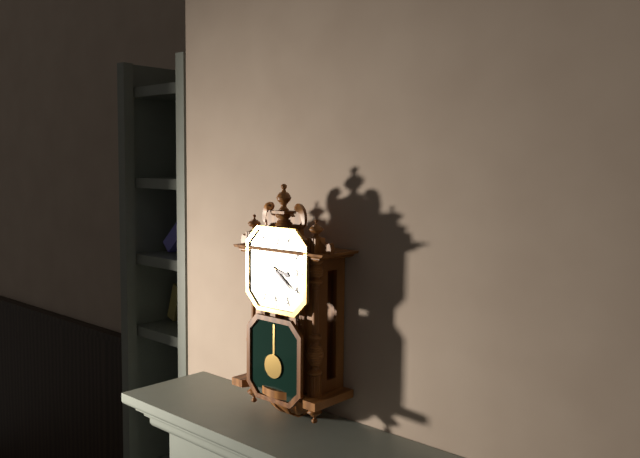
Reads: 3h21
